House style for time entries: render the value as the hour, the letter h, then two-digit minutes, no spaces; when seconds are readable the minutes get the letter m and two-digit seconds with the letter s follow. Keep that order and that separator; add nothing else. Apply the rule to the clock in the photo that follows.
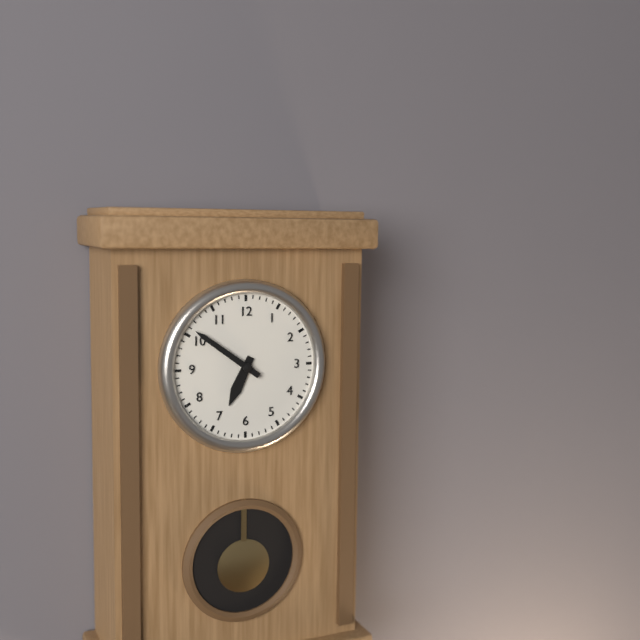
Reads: 6h51
